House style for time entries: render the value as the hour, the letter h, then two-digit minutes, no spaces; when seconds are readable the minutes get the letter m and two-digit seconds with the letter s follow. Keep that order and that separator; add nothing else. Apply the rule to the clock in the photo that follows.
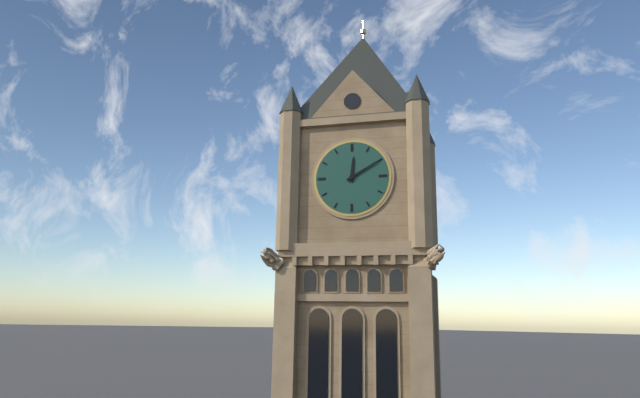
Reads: 12h10
